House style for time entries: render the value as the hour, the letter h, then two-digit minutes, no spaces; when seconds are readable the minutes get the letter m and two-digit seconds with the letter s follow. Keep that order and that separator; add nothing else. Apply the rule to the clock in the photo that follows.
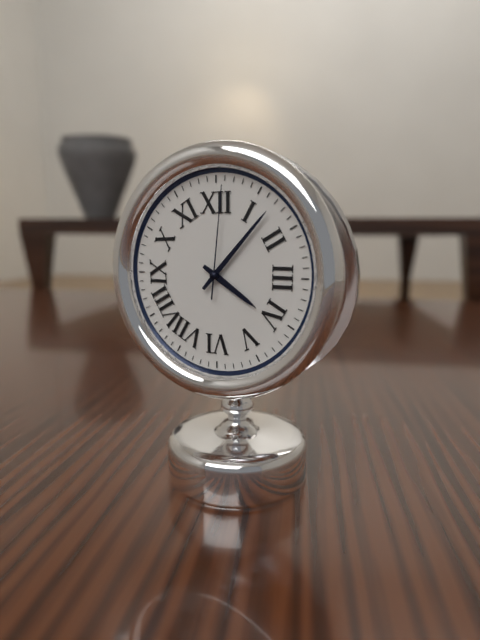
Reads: 4h07m01s
